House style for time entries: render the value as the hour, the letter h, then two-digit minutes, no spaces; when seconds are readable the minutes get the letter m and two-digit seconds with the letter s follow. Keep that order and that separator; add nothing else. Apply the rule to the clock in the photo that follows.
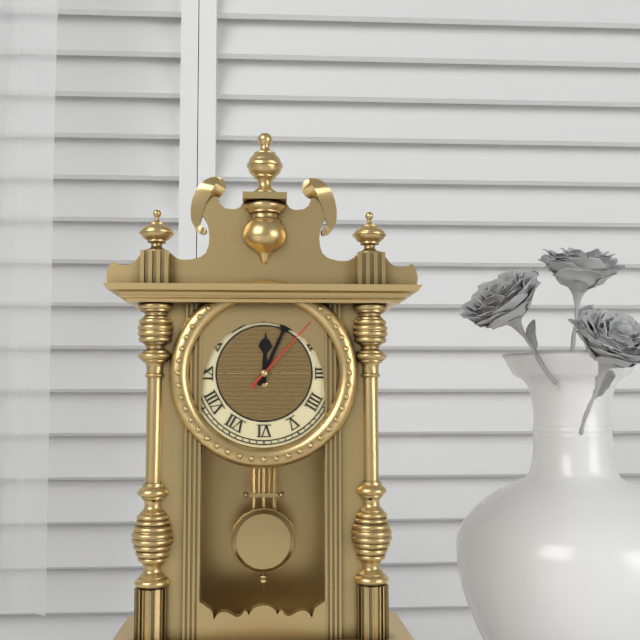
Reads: 12h04m07s
